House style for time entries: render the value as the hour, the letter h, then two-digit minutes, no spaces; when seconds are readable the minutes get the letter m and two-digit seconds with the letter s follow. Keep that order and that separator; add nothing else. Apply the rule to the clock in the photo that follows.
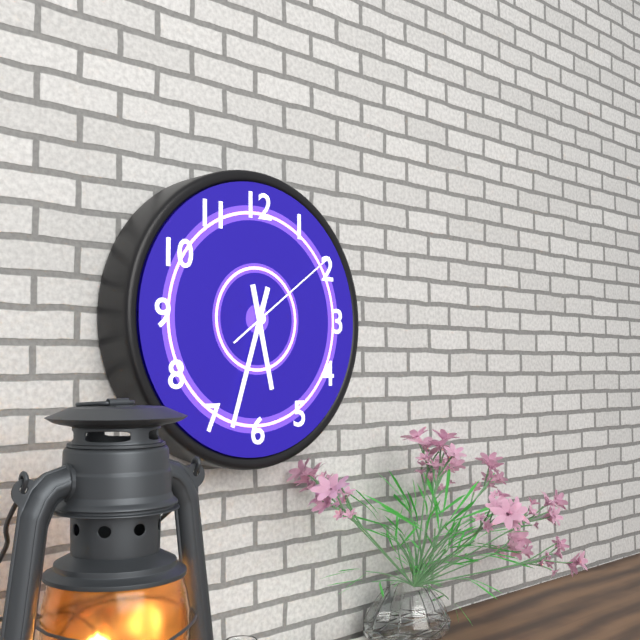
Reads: 5h33m09s
